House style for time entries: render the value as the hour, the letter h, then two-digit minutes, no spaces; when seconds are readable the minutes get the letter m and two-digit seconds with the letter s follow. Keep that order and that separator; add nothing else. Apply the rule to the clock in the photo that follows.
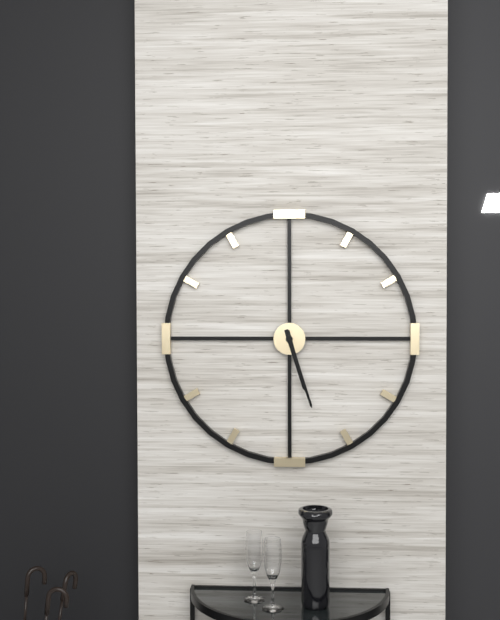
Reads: 5h27
